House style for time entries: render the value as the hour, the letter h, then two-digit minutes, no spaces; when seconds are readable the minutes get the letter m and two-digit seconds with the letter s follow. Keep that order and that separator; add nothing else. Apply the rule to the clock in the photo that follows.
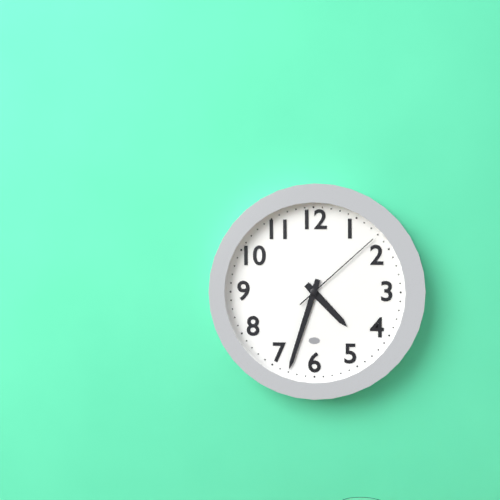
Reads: 4h33m08s
